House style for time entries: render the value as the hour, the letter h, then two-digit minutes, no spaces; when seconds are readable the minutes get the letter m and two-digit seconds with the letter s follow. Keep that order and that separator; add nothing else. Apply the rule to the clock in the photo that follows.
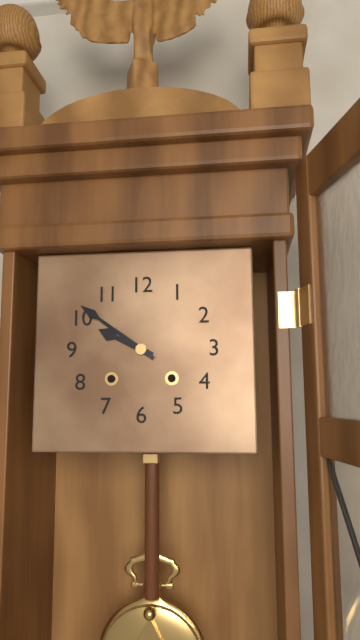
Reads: 9h51
